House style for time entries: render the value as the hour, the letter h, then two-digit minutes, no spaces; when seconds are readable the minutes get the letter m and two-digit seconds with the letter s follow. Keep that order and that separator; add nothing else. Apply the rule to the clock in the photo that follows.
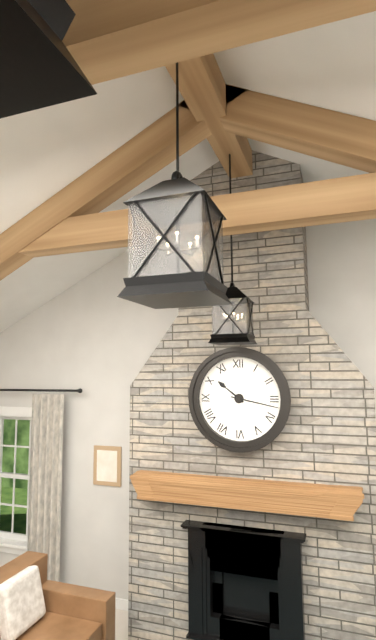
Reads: 10h17
